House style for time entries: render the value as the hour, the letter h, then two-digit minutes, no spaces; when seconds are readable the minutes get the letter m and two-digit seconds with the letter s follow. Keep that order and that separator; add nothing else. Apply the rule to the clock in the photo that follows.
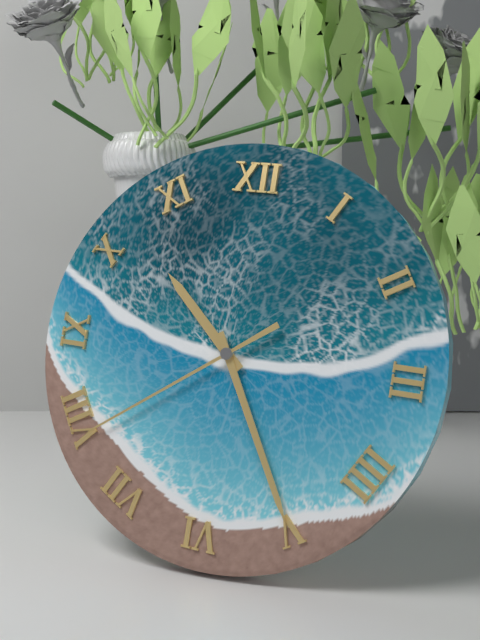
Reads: 10h25m39s
